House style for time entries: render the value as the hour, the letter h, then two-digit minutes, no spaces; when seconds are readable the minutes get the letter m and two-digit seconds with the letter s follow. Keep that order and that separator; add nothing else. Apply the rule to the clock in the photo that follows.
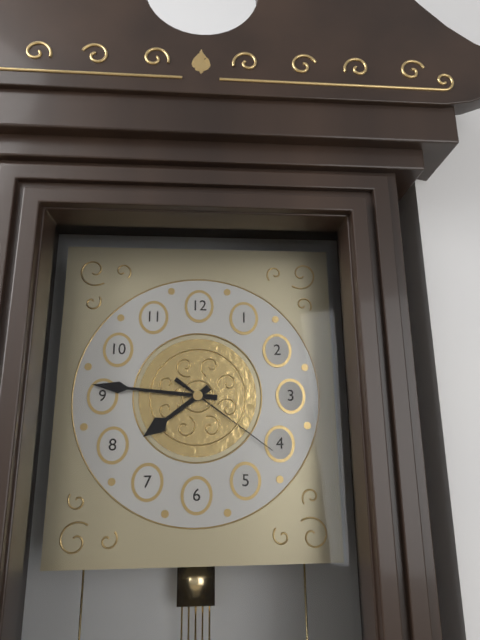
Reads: 7h46m21s
